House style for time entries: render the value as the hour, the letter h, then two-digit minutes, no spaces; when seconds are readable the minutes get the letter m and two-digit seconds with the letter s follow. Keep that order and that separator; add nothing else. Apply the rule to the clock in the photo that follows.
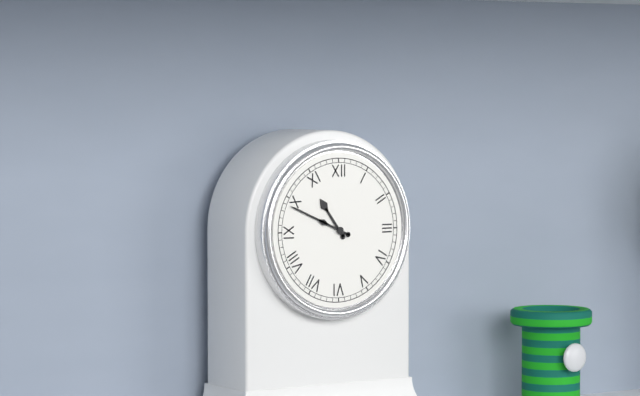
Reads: 10h49
